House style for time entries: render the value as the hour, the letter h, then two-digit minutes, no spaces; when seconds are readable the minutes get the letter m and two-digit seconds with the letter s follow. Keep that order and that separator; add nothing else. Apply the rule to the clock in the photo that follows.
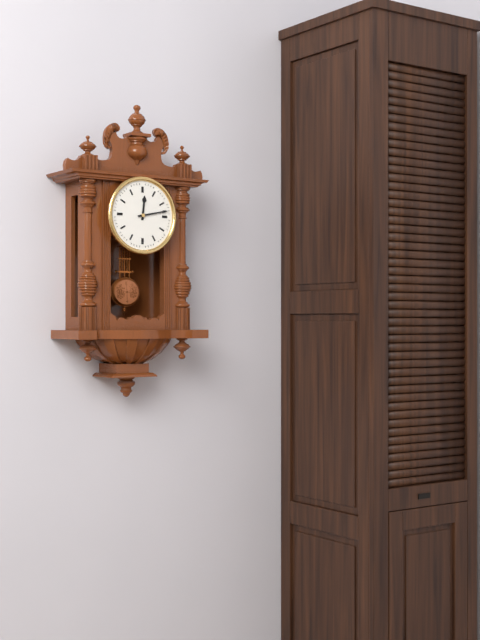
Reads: 12h13
